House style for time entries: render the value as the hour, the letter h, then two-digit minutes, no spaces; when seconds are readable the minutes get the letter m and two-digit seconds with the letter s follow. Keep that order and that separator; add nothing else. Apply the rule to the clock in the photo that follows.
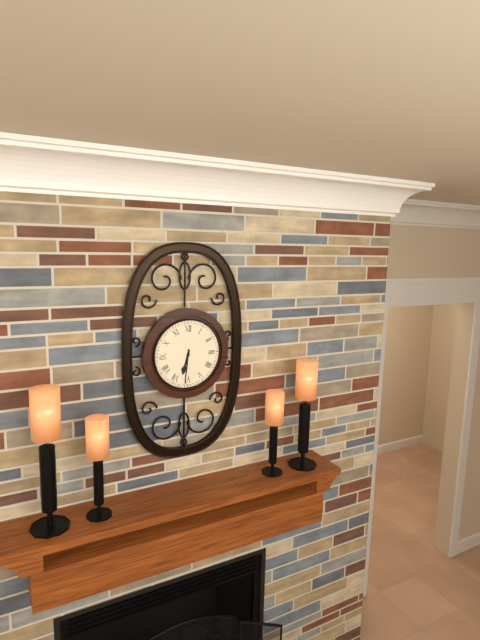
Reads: 6h31
